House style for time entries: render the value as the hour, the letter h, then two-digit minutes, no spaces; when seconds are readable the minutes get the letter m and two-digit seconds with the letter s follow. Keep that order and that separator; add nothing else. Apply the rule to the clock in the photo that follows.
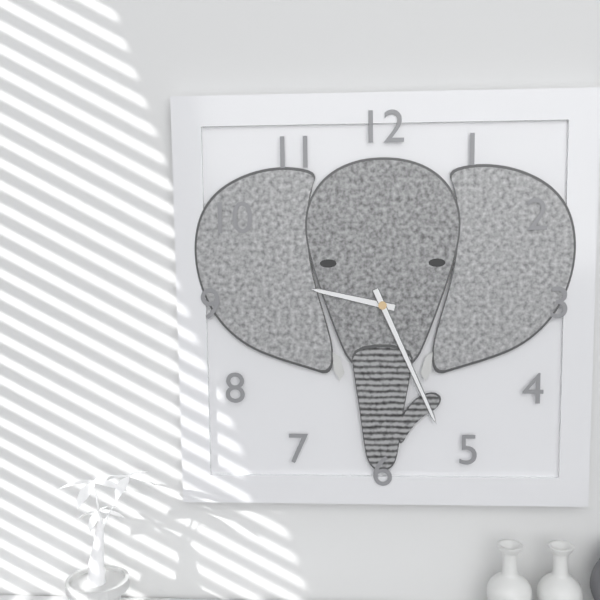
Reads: 9h26
